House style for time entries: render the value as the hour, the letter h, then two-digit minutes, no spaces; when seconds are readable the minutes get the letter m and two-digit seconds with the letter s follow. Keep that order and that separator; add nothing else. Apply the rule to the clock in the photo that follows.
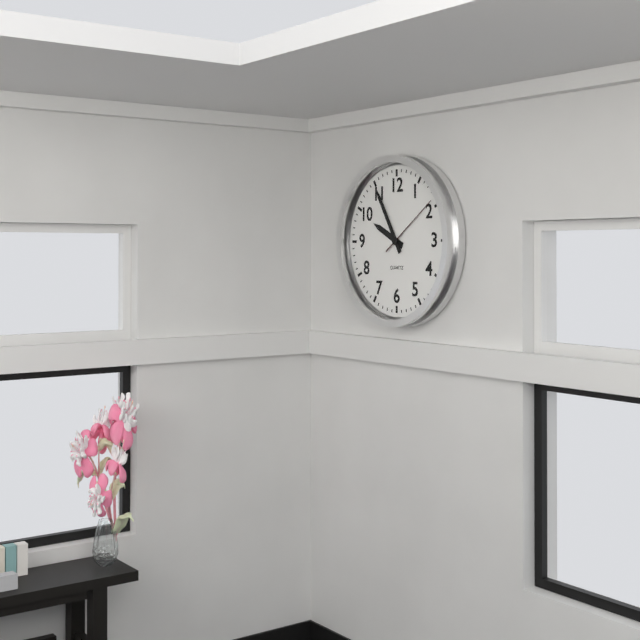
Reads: 9h55m09s
